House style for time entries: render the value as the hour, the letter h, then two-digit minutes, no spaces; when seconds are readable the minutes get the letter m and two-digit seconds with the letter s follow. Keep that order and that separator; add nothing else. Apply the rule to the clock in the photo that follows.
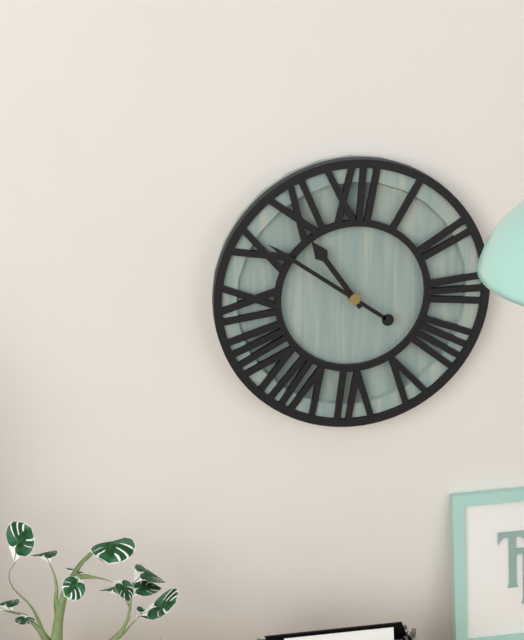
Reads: 10h51
